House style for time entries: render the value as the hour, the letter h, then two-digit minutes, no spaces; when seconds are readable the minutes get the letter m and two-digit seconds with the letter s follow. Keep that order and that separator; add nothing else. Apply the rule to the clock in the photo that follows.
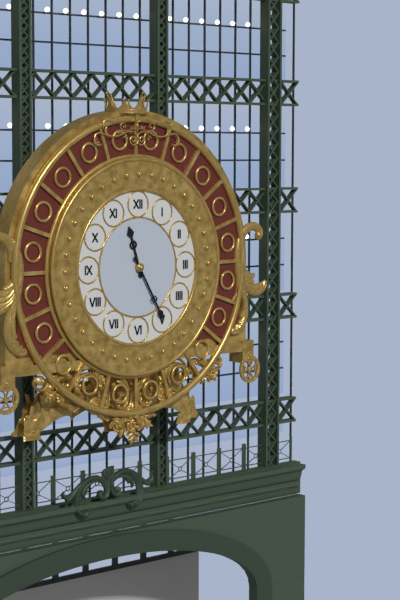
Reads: 11h25
